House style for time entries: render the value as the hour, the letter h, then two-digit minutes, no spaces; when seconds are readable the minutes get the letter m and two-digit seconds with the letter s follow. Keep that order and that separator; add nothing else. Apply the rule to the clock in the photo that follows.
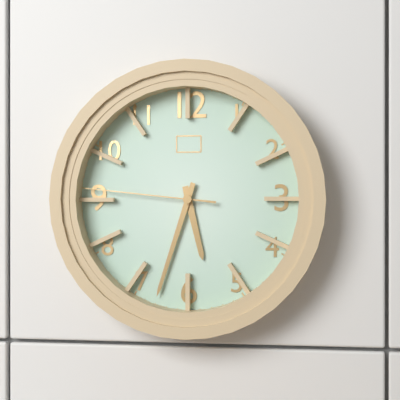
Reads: 5h33m46s
